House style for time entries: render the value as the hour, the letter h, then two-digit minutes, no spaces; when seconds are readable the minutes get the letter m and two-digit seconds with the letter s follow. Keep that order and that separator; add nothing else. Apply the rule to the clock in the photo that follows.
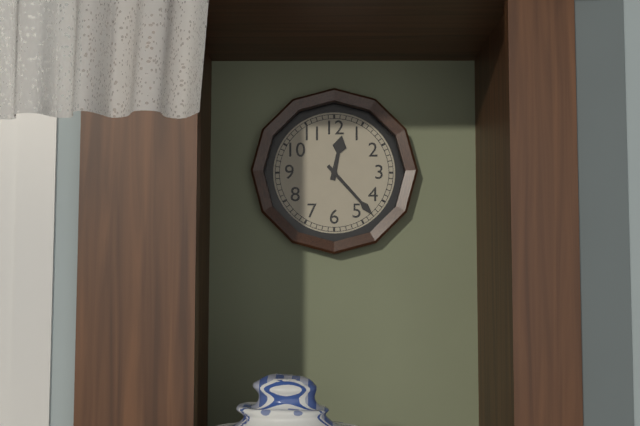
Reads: 12h23
